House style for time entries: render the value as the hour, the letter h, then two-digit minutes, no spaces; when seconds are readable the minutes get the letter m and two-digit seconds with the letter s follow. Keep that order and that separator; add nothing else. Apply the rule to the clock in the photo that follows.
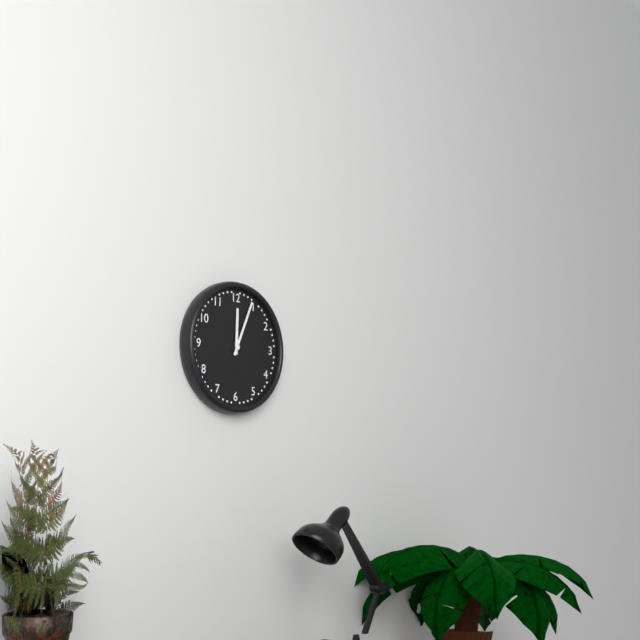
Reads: 12h04
